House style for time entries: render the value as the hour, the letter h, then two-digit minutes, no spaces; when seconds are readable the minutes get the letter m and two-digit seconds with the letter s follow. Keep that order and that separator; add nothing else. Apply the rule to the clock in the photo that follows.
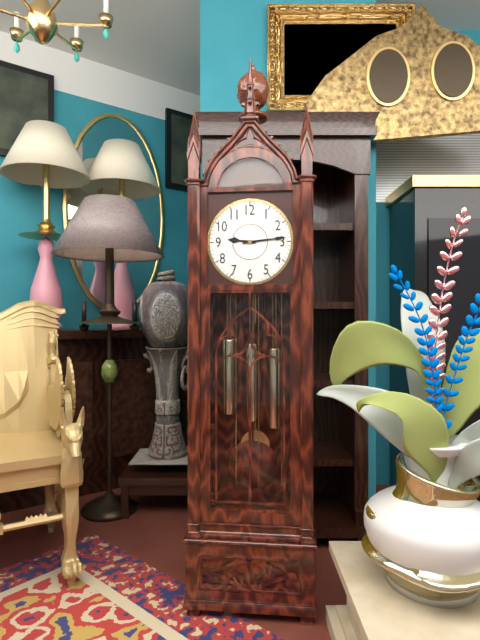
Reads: 9h14
